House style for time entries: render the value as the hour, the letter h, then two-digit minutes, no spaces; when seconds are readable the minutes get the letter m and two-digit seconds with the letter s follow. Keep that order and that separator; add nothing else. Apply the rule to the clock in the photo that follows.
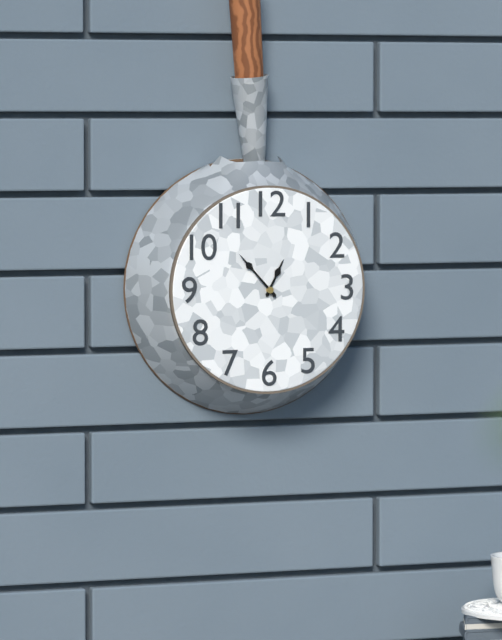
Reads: 12h53
